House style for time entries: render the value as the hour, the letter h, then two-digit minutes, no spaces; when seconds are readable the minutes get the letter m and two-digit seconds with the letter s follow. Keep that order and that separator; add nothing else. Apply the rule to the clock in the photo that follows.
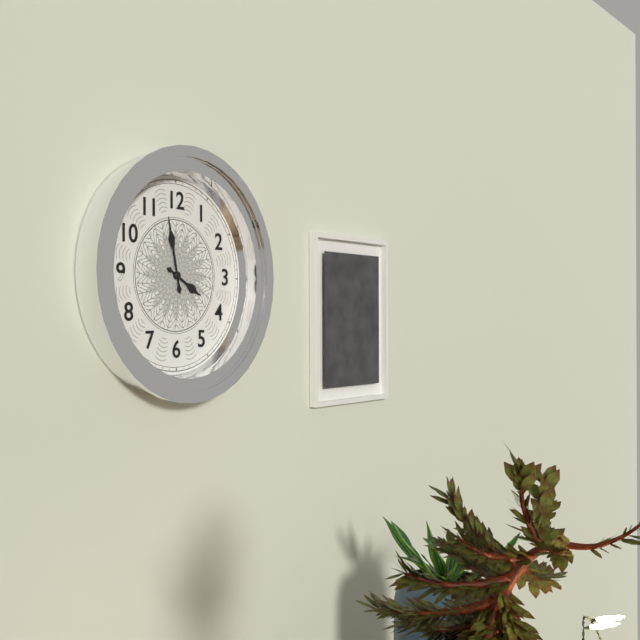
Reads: 3h58
